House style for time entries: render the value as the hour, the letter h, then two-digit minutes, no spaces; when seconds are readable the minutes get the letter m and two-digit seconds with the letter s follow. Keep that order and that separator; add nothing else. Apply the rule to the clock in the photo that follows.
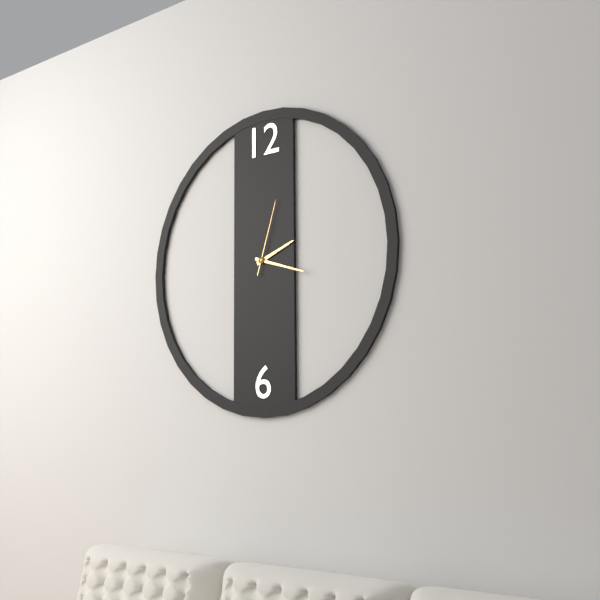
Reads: 2h18m03s
